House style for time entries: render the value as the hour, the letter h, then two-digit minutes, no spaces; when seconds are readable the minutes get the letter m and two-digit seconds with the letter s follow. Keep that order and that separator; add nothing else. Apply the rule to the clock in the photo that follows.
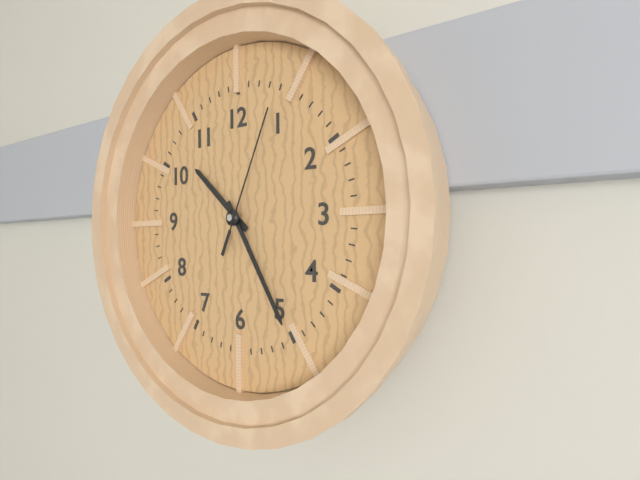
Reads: 10h25m04s
